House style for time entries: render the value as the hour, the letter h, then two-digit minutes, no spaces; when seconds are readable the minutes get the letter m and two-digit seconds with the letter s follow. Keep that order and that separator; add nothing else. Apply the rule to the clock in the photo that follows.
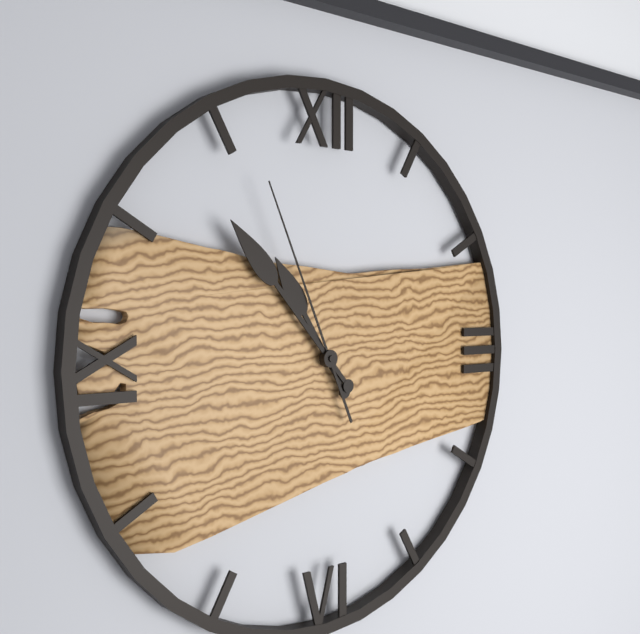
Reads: 10h53m56s
